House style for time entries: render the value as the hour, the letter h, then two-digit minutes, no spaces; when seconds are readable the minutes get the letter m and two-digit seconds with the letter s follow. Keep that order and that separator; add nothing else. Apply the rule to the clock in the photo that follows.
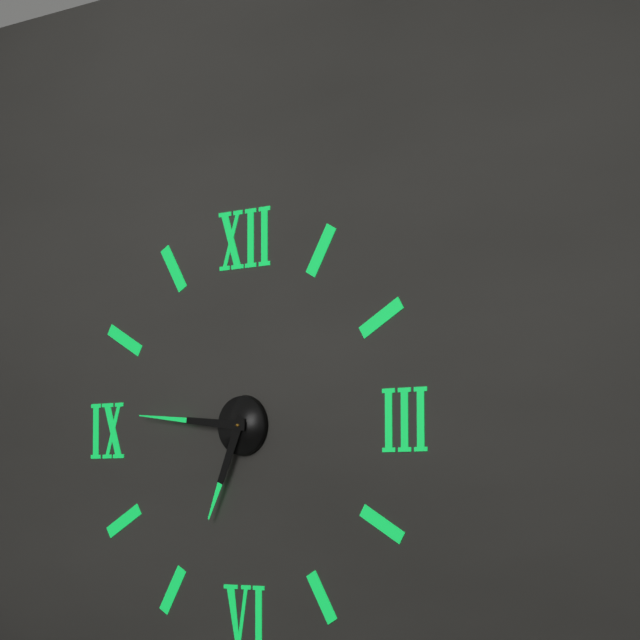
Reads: 6h46
